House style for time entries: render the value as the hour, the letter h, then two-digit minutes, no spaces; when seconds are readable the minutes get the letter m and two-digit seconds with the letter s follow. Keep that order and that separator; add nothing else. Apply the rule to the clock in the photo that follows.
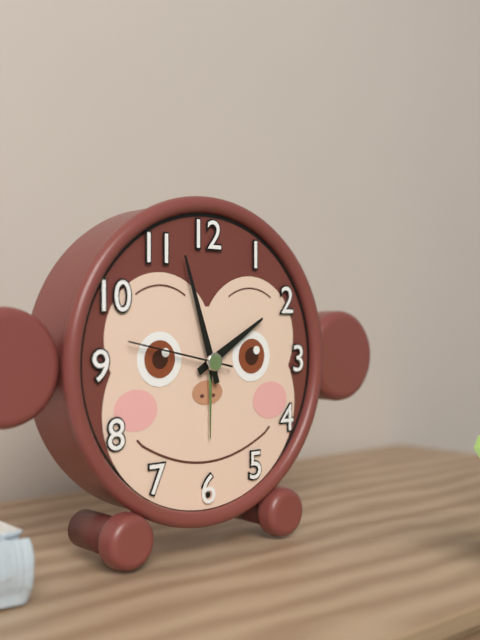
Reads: 1h57m47s
